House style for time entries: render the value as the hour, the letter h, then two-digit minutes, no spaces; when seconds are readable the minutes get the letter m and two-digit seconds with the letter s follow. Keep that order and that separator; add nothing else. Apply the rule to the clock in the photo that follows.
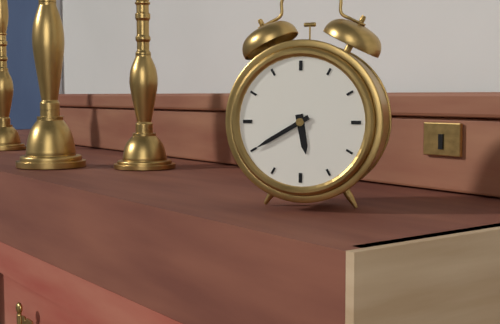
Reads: 5h40
